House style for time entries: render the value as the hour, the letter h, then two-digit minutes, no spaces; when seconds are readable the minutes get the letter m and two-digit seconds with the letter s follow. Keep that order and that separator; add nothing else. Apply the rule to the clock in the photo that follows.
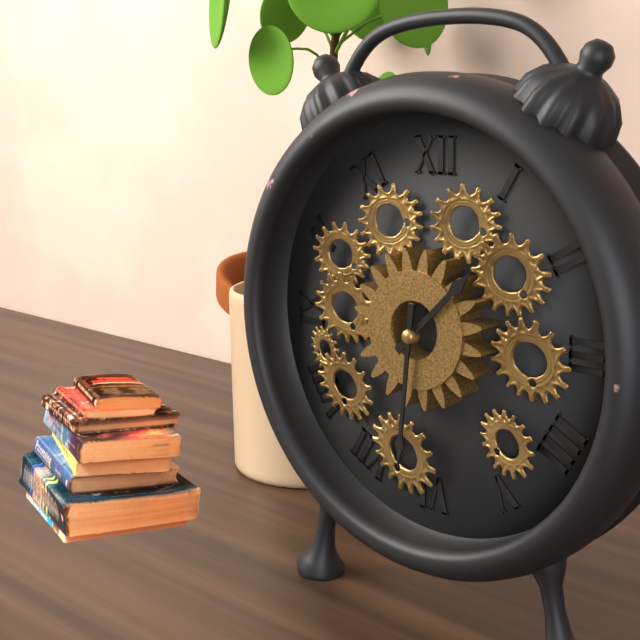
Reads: 1h31
